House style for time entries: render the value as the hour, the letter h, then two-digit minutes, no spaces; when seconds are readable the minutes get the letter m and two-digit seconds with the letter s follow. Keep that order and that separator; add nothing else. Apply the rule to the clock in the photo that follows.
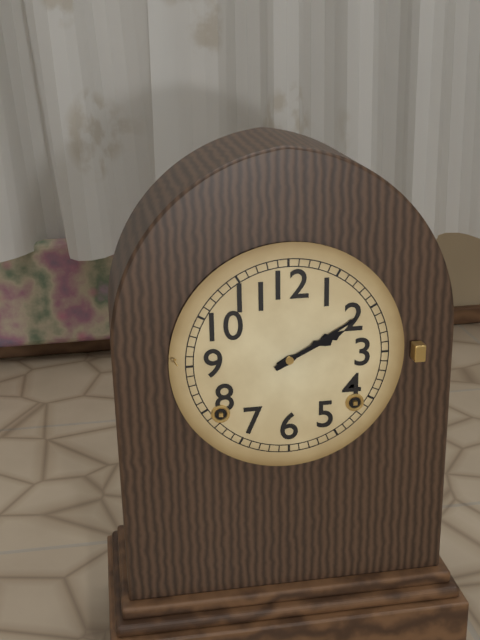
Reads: 2h10
